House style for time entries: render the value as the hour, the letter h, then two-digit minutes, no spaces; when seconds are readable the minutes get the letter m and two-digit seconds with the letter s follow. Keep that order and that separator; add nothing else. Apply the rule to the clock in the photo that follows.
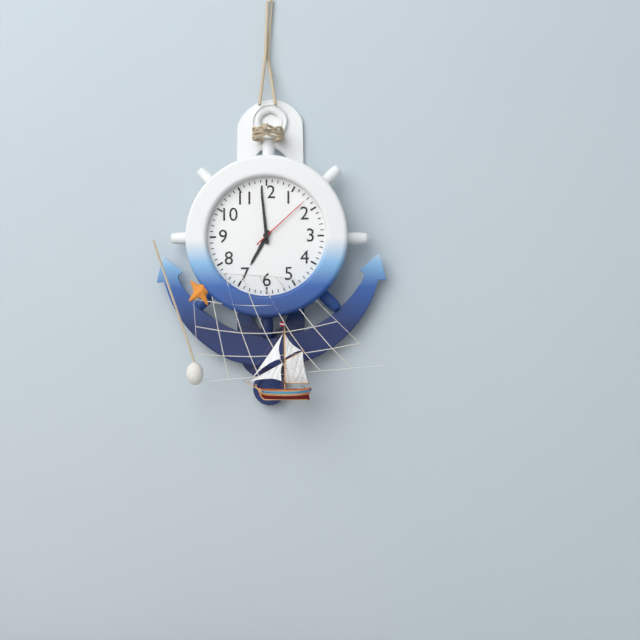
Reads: 6h59m08s
